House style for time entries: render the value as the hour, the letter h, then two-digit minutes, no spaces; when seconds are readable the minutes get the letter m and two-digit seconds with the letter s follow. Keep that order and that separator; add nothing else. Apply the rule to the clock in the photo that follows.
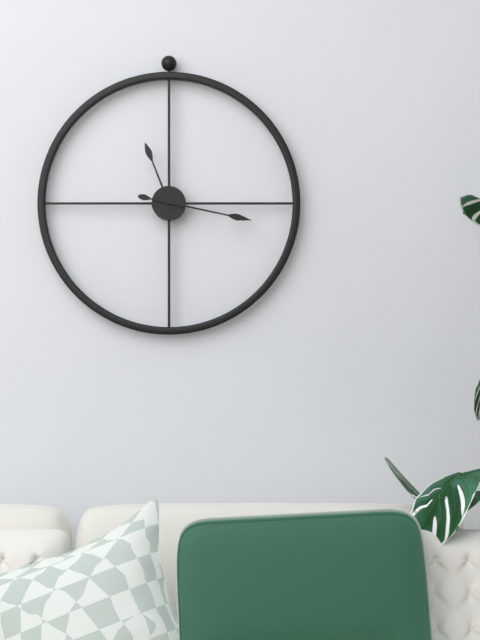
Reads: 11h17
